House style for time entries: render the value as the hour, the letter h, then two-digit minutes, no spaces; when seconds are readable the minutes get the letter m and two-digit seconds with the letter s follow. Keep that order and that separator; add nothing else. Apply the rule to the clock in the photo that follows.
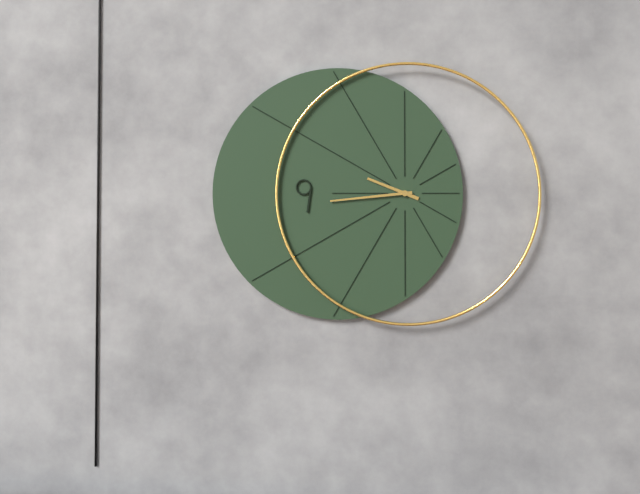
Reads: 9h44
